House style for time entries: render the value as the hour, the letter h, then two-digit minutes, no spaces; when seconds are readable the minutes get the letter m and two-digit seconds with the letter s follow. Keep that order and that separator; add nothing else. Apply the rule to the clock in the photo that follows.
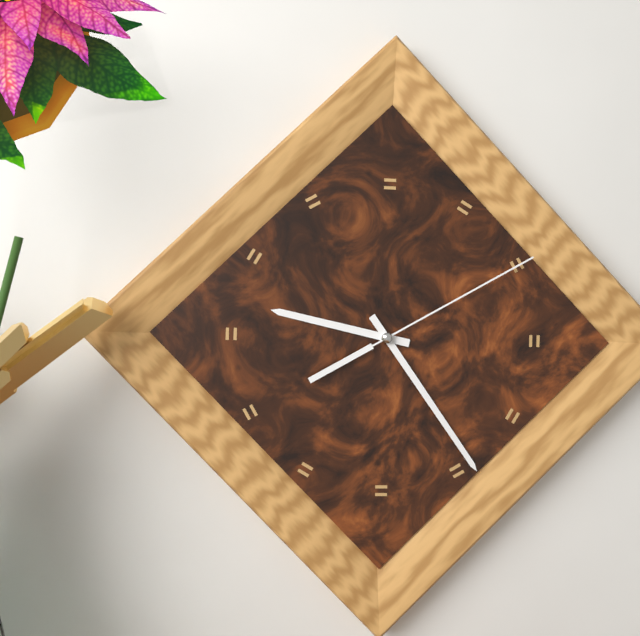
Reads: 9h24m10s
